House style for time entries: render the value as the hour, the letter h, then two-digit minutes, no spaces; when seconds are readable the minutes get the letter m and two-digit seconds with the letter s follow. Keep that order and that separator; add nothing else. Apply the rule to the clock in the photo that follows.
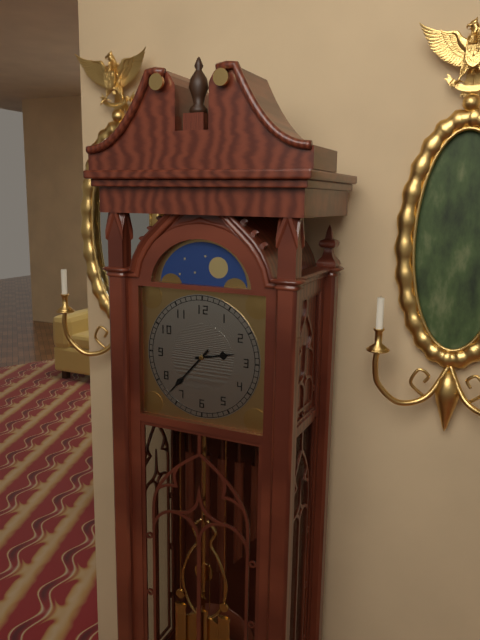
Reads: 2h37
